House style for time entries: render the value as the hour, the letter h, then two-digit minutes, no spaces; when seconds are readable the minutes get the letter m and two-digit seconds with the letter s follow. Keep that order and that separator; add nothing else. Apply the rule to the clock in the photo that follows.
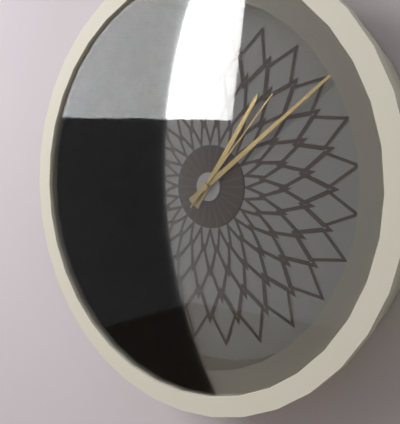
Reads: 1h09m07s
